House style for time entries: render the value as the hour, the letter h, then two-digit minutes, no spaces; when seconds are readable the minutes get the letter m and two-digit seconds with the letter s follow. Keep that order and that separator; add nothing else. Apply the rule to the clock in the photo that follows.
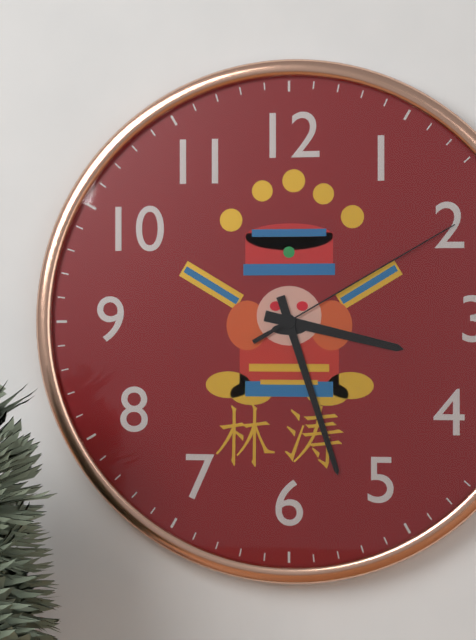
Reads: 3h27m10s
